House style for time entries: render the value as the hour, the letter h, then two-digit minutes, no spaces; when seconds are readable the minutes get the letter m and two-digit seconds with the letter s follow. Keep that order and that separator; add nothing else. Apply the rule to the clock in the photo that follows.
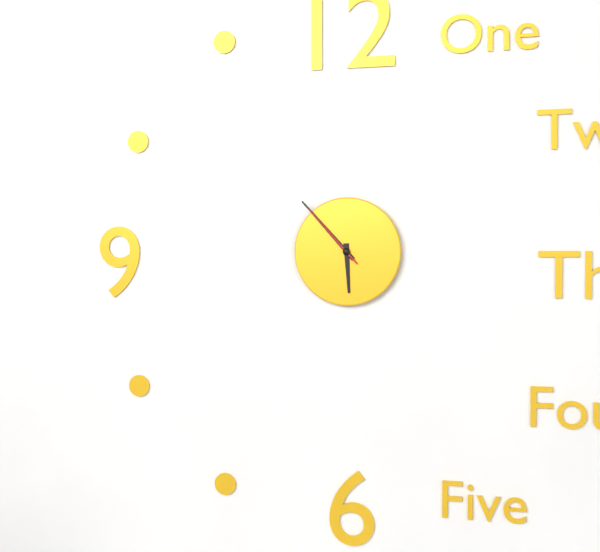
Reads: 5h53m53s
